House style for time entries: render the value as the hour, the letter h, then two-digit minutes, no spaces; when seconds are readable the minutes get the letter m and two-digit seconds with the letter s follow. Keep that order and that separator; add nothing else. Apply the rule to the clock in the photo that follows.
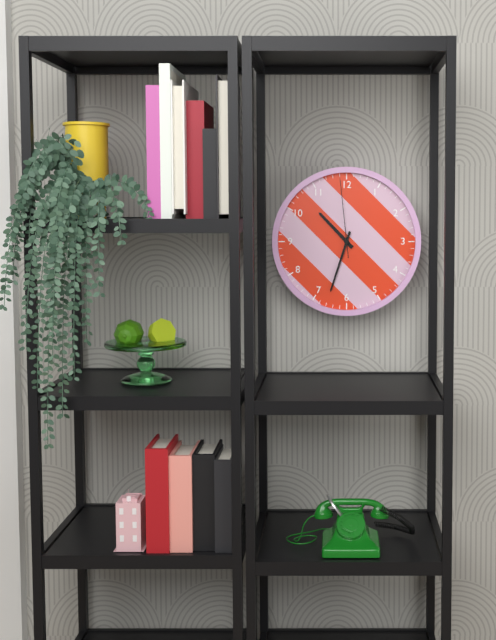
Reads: 10h33m59s
